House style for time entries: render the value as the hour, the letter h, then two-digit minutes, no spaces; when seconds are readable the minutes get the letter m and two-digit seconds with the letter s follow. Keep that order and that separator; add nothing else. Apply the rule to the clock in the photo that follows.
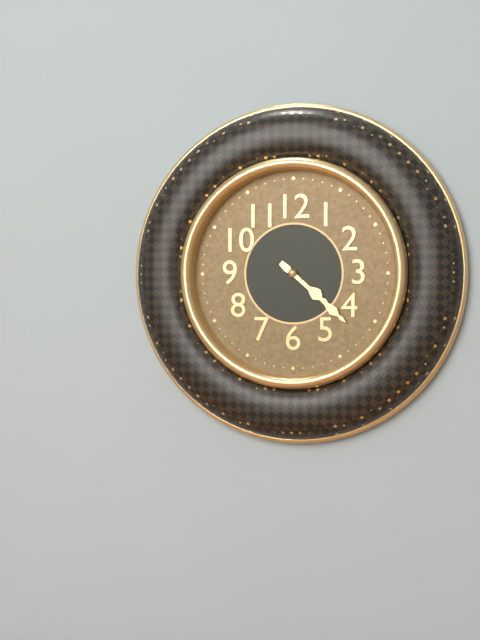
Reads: 4h22
